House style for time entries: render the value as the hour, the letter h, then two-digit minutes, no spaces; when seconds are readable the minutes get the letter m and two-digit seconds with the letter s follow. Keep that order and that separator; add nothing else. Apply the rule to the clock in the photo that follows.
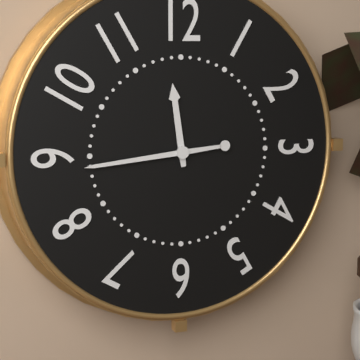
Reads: 11h44
